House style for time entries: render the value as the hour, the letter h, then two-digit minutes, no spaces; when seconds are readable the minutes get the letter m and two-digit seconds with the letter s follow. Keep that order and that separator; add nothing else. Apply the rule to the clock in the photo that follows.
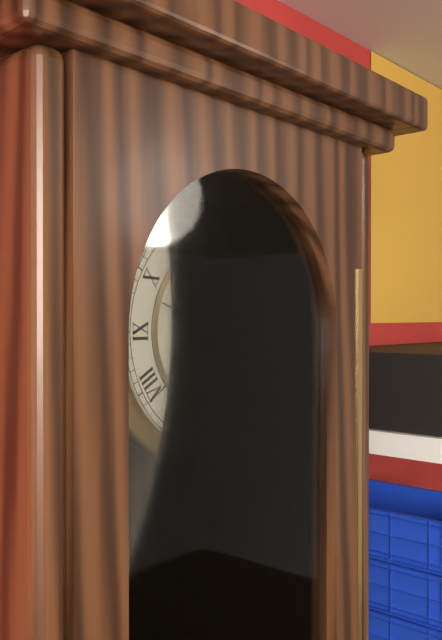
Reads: 9h39
